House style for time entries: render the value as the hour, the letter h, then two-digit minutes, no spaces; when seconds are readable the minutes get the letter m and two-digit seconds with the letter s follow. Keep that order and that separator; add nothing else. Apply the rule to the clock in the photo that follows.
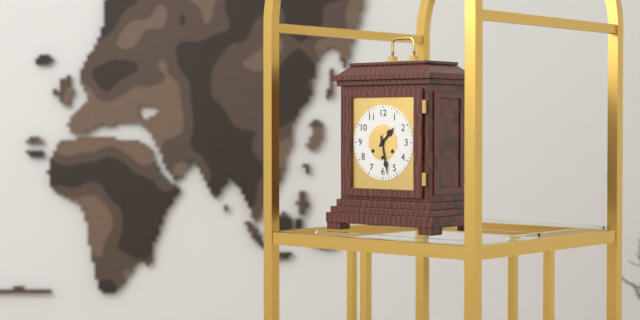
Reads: 1h28
